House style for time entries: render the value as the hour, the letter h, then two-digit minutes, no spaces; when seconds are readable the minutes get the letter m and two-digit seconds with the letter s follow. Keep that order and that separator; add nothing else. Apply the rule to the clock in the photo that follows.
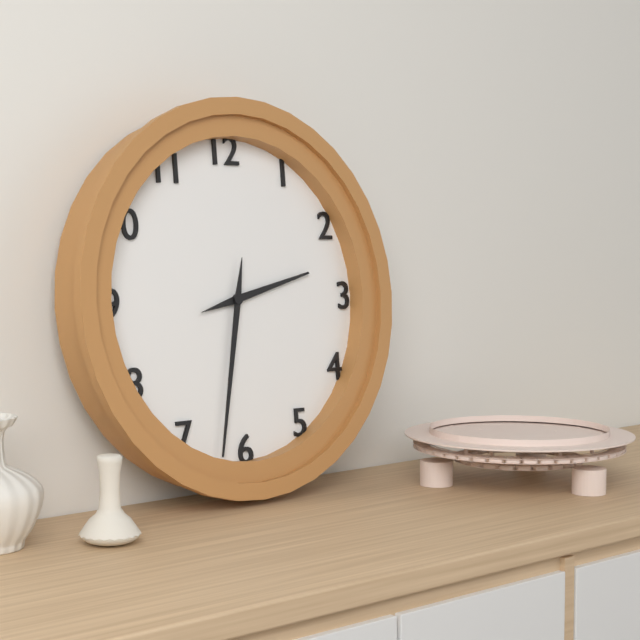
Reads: 2h32
